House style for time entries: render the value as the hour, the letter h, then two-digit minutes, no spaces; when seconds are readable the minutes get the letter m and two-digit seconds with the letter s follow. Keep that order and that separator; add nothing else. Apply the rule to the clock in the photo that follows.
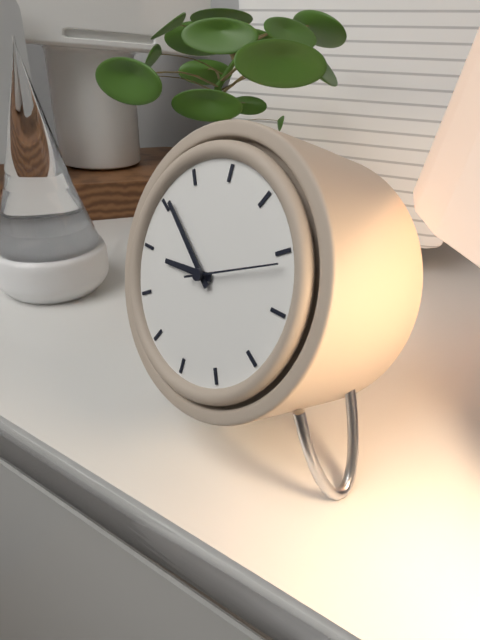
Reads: 8h51m11s
